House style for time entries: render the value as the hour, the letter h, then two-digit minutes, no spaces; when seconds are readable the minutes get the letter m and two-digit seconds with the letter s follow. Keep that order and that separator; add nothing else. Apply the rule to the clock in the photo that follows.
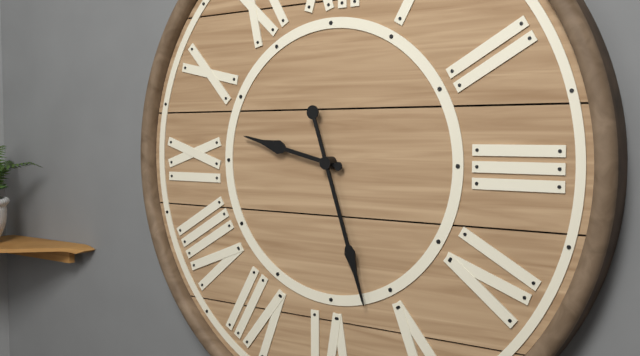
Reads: 9h27
